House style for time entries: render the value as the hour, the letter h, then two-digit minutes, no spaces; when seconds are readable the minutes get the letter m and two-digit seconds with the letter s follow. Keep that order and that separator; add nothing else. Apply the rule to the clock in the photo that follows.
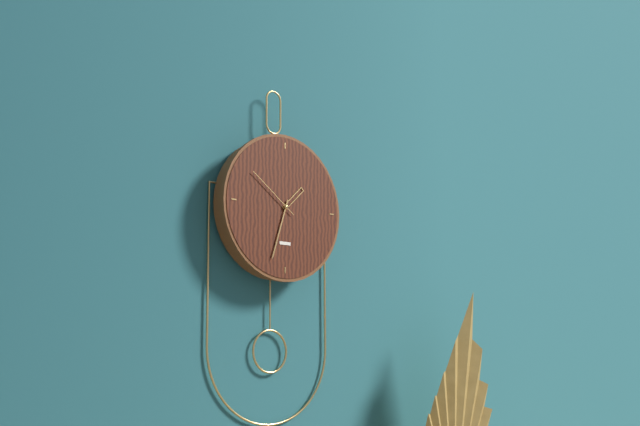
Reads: 1h33m51s
